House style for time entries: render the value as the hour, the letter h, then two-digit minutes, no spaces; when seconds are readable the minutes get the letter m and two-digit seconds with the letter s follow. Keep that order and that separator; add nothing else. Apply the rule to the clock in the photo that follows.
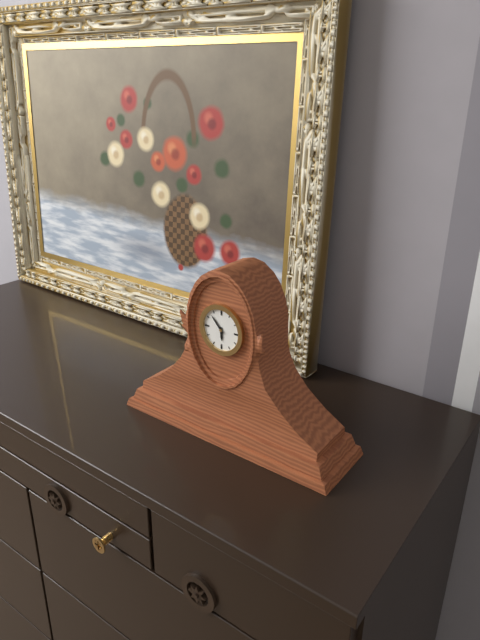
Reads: 5h53
